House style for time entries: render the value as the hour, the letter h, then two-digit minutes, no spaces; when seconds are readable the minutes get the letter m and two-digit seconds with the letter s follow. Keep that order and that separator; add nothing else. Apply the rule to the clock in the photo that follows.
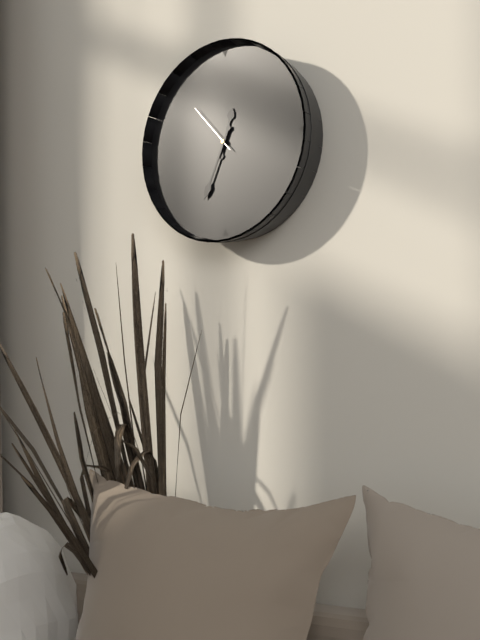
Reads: 12h34m53s
